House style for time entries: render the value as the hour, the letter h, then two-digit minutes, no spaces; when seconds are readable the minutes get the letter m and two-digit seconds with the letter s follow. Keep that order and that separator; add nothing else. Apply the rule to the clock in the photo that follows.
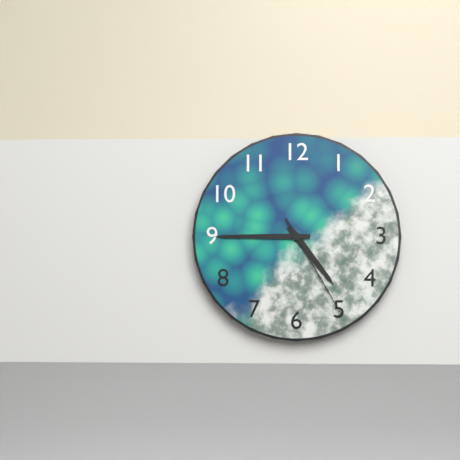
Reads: 4h45m25s
